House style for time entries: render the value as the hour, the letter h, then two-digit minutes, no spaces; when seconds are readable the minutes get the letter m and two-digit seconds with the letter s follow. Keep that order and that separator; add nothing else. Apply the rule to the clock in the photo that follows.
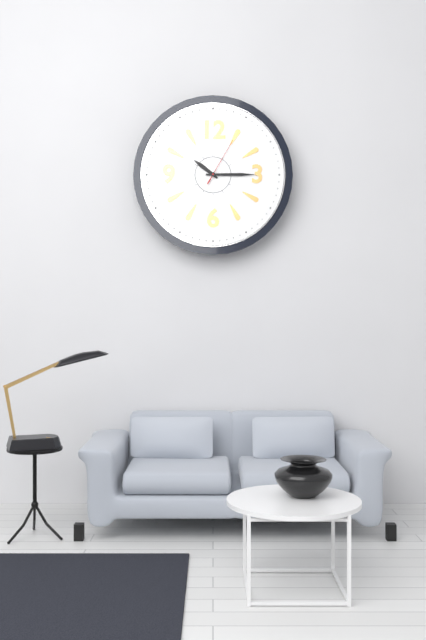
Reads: 10h15
